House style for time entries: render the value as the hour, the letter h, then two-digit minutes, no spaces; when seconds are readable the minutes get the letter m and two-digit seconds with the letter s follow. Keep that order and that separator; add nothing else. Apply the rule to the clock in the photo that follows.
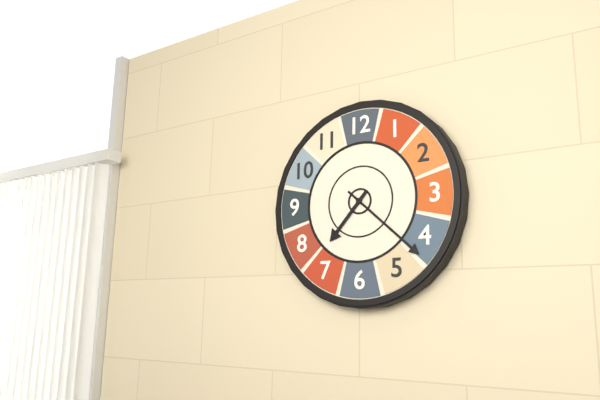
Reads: 7h22
